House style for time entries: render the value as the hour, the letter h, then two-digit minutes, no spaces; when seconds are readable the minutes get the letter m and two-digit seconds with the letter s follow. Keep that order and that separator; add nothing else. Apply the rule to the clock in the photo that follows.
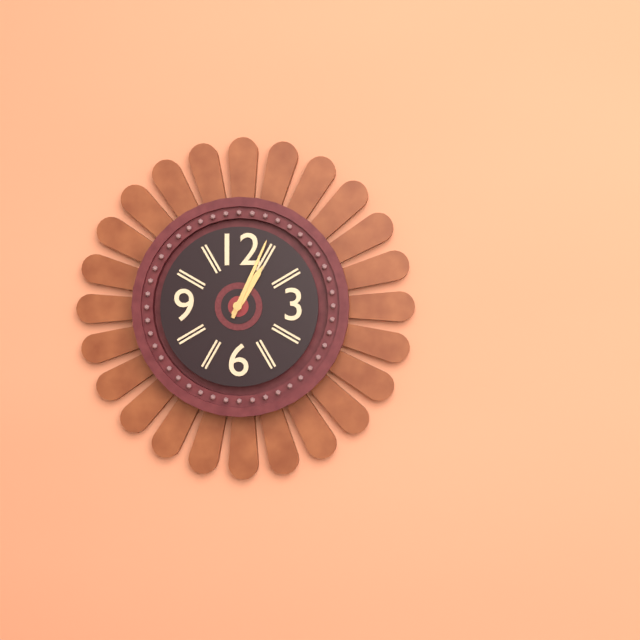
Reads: 1h04
